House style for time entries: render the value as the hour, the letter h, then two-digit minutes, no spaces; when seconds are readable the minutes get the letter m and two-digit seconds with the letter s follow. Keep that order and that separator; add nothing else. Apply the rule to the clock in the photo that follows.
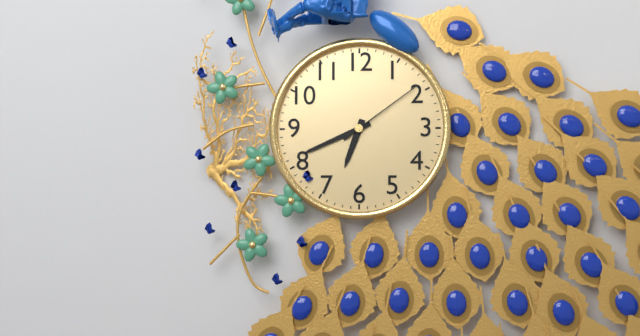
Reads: 6h41m09s
